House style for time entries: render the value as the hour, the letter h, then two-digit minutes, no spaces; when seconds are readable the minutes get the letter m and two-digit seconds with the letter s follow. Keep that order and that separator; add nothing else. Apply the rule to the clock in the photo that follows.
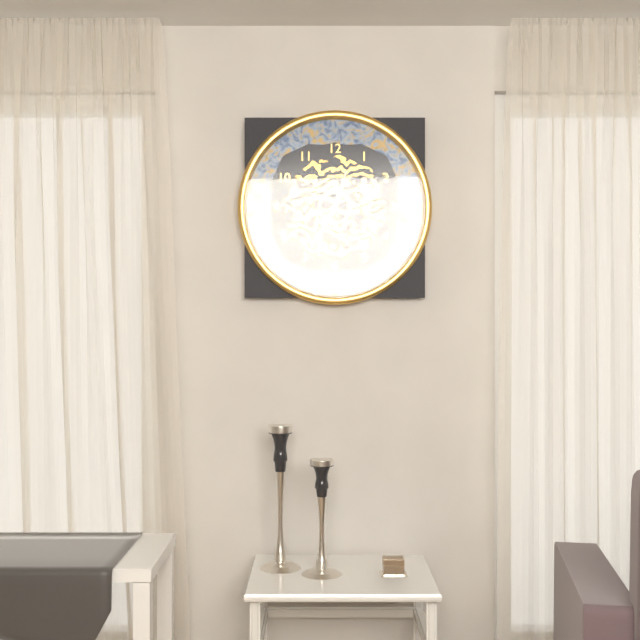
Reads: 12h35
